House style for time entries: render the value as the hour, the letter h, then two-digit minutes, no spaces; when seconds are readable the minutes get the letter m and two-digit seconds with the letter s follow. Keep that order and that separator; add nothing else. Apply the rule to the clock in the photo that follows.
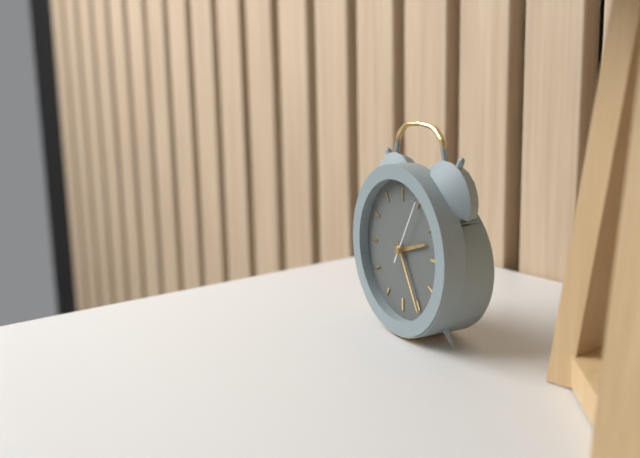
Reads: 2h25m05s
